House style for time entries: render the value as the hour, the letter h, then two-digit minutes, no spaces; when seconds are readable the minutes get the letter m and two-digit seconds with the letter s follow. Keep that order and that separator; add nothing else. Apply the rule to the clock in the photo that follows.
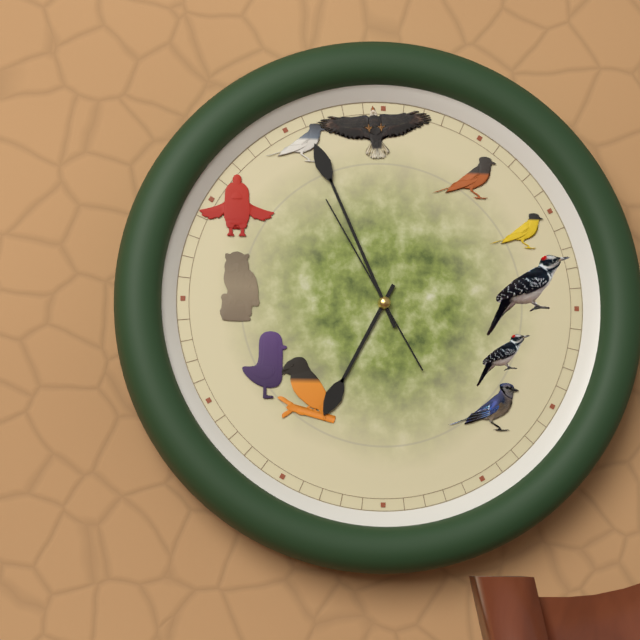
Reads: 6h56m55s
